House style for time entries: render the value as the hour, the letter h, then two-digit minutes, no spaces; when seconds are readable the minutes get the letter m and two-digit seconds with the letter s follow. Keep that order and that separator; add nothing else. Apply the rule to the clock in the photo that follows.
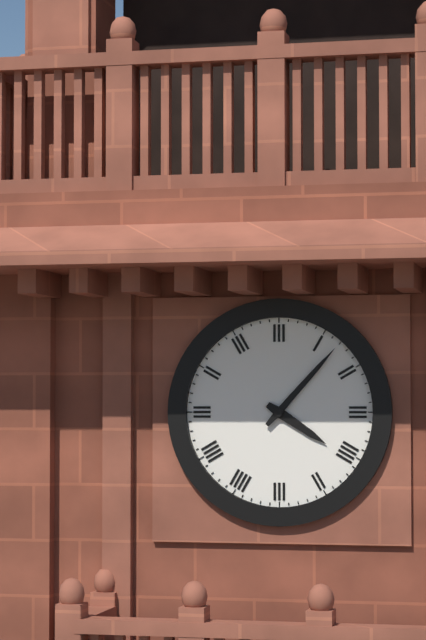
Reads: 4h07
